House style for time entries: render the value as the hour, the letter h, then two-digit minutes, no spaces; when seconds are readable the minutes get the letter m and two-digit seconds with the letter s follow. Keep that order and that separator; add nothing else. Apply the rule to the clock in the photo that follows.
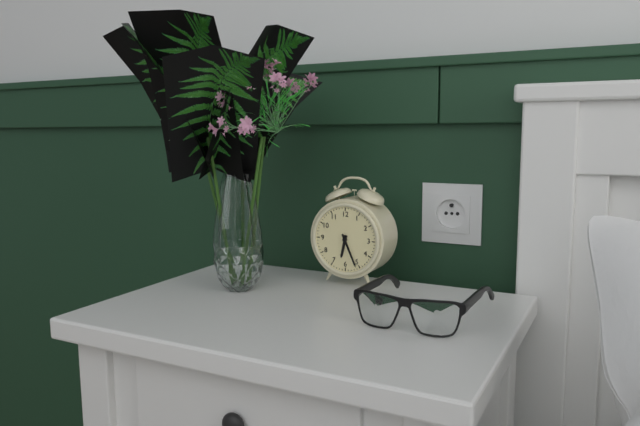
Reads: 6h26
